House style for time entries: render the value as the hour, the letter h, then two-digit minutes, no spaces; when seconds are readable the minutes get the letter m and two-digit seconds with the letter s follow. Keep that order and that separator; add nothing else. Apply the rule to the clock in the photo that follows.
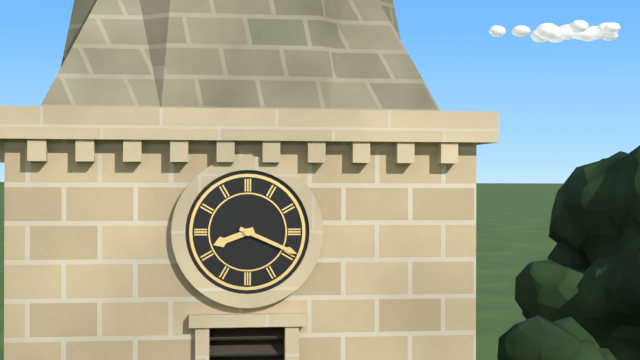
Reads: 8h19
